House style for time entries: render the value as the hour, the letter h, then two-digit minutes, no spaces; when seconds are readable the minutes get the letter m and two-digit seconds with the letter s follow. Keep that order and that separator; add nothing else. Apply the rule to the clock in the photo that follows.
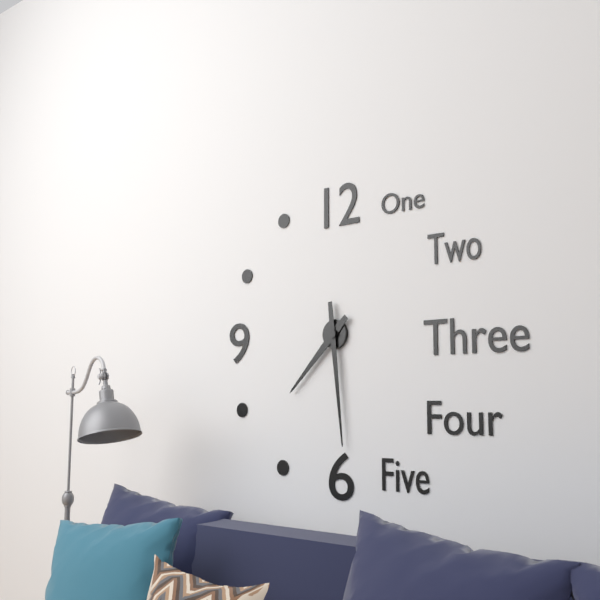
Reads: 7h29
